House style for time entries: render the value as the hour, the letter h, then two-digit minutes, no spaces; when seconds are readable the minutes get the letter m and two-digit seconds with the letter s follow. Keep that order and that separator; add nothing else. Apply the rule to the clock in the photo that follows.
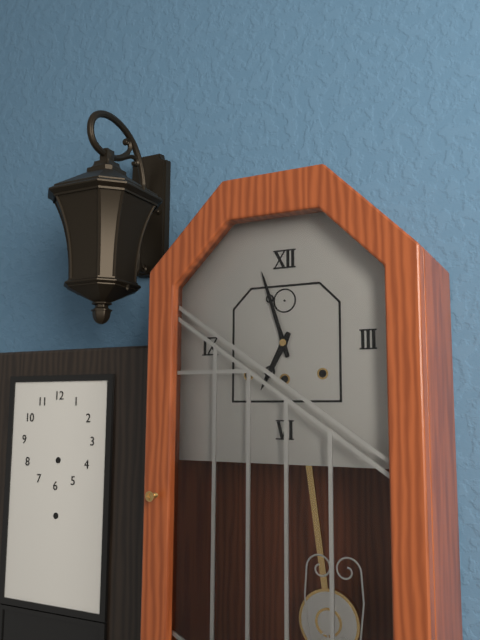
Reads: 6h57
